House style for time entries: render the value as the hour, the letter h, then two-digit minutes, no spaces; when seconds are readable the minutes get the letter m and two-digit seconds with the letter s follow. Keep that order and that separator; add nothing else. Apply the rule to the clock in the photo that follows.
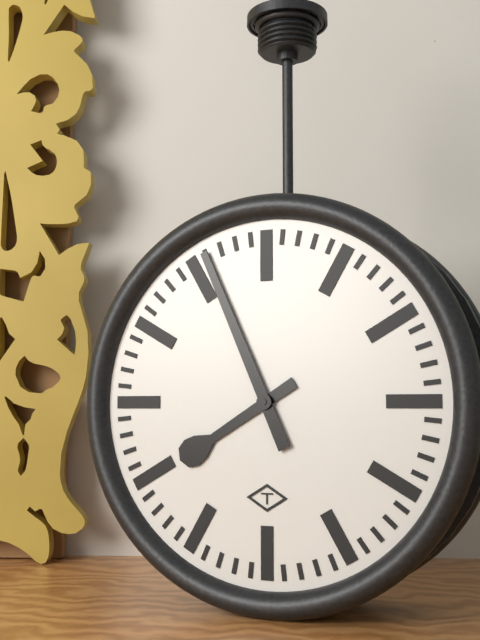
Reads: 7h56
